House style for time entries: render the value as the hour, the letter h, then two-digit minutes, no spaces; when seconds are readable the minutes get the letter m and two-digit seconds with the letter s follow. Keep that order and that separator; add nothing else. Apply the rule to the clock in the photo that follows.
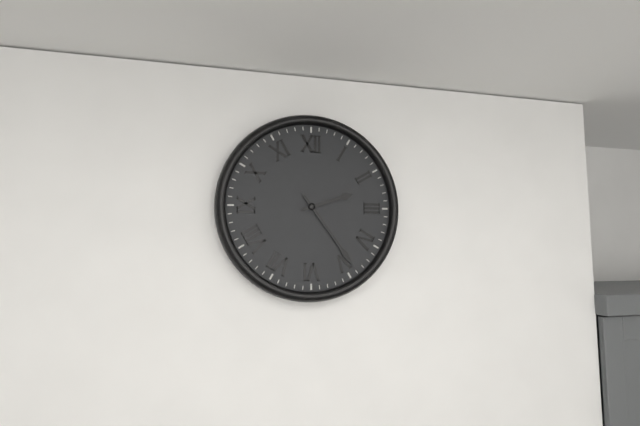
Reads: 2h24
